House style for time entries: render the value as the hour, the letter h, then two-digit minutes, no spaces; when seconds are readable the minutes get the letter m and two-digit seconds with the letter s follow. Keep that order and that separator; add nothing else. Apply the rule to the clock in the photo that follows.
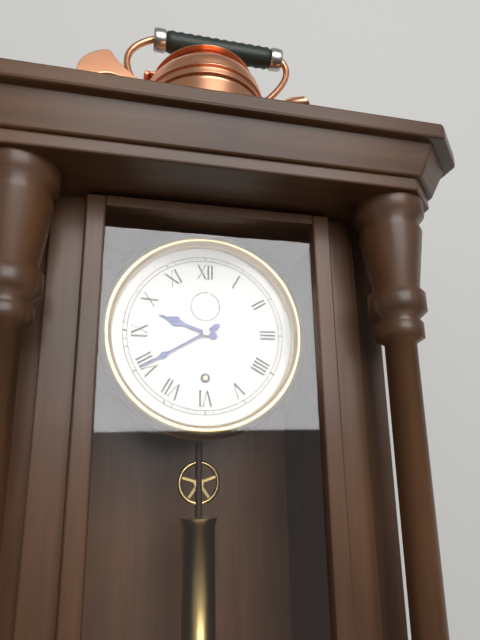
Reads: 9h40
